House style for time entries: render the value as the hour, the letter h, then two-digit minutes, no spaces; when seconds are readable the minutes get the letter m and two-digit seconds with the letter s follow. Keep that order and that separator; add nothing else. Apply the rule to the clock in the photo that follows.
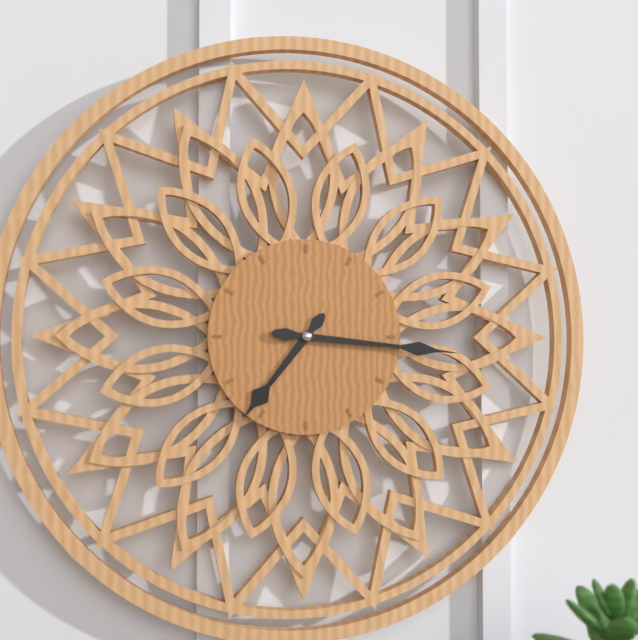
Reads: 7h16
